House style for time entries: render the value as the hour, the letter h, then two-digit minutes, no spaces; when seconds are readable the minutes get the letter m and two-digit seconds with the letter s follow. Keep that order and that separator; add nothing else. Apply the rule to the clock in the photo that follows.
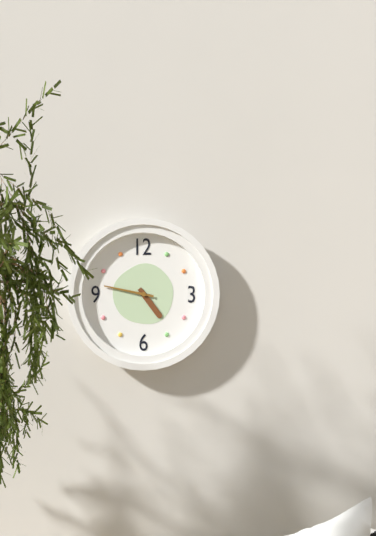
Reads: 4h47
